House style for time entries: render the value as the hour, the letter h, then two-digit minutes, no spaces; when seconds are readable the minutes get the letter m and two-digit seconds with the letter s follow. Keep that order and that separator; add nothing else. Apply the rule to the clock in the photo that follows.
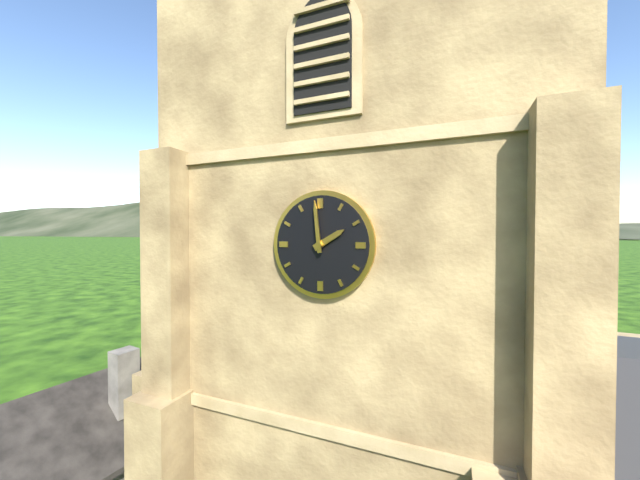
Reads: 1h59
